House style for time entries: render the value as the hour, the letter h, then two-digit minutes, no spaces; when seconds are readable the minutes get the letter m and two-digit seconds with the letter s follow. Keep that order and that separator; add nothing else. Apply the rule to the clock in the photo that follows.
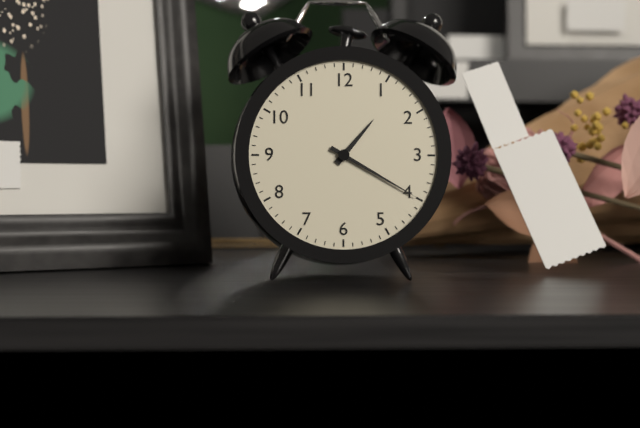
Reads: 1h20
